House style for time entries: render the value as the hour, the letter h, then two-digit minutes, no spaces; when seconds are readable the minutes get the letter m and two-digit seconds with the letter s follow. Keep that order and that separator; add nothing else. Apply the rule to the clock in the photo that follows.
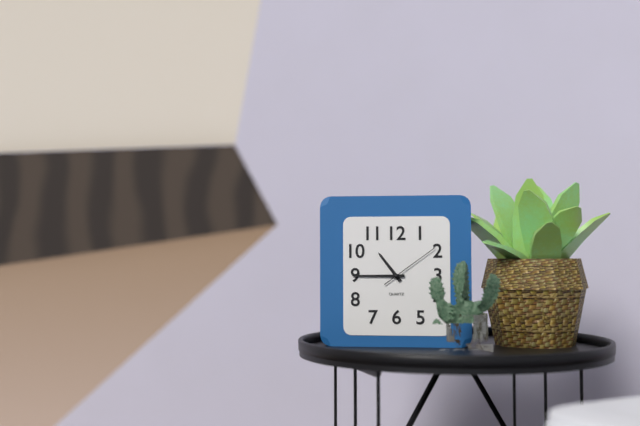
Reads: 10h45m09s
